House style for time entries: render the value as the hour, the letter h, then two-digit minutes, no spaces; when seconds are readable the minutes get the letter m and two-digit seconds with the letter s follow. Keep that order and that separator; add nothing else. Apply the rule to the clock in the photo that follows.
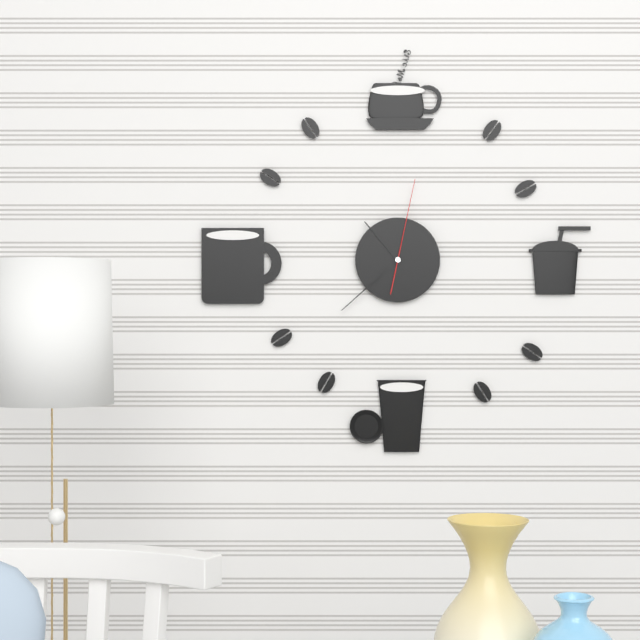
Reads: 10h38m02s
